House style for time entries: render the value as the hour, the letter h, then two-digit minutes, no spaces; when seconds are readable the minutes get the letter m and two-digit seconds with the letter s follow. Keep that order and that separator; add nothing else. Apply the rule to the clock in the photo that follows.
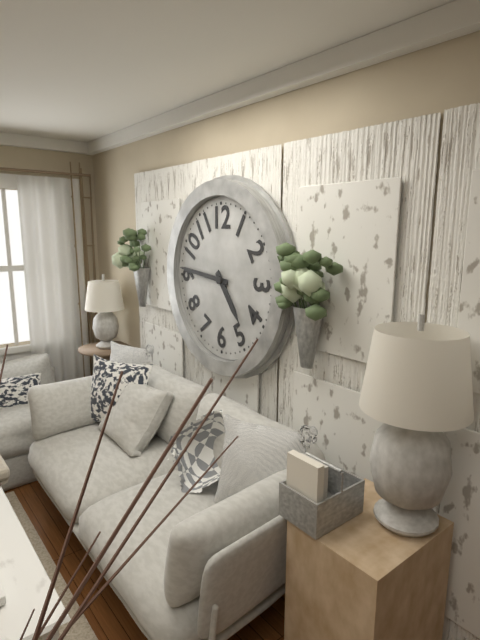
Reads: 4h46
